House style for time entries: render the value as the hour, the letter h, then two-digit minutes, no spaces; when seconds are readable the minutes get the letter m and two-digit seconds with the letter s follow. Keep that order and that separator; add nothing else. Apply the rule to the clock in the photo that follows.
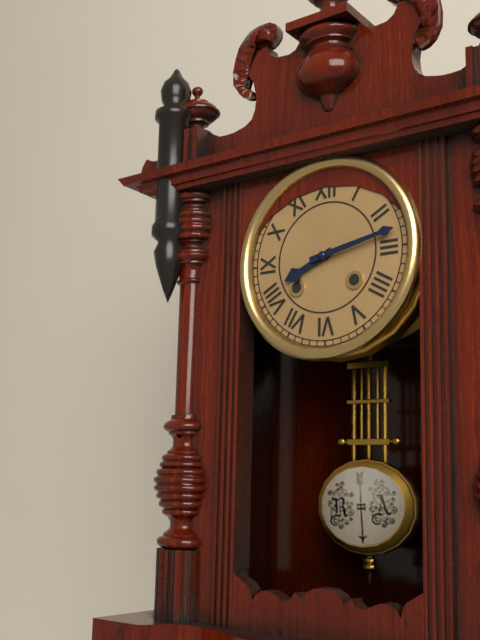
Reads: 8h13
